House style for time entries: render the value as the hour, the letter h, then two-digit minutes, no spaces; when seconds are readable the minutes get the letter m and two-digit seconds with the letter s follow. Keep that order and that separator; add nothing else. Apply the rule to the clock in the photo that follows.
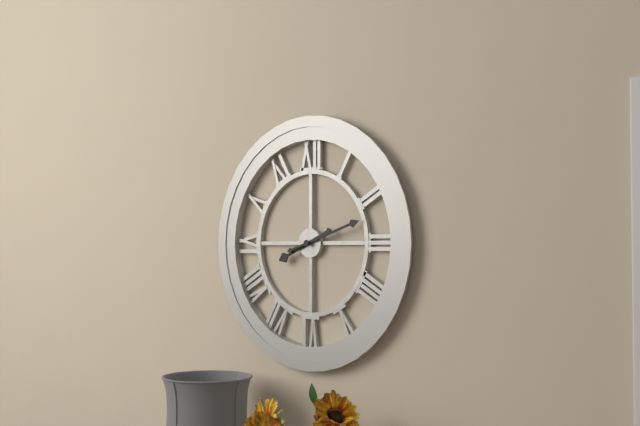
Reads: 8h12
